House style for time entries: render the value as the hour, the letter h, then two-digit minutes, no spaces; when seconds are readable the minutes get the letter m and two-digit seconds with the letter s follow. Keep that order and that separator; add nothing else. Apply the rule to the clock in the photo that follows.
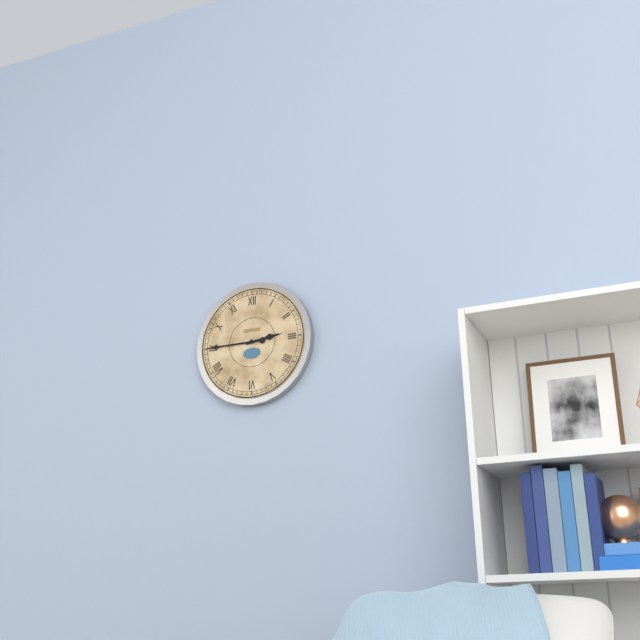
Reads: 2h45
